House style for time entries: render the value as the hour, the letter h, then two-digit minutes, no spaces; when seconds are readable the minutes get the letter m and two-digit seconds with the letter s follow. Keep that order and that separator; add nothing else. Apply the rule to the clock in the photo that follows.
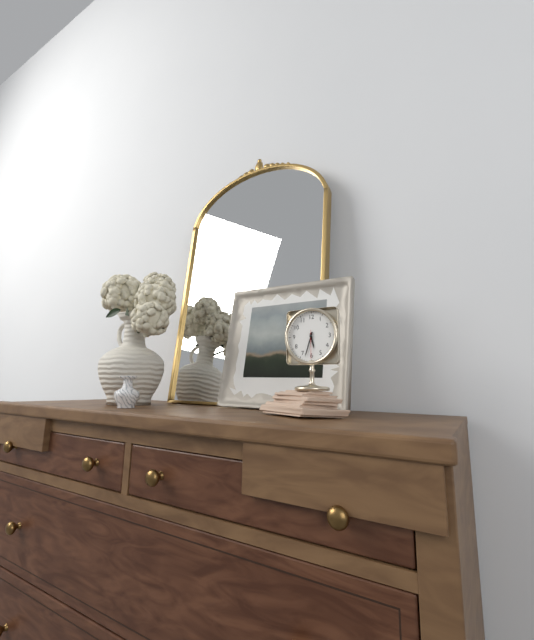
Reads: 5h33
